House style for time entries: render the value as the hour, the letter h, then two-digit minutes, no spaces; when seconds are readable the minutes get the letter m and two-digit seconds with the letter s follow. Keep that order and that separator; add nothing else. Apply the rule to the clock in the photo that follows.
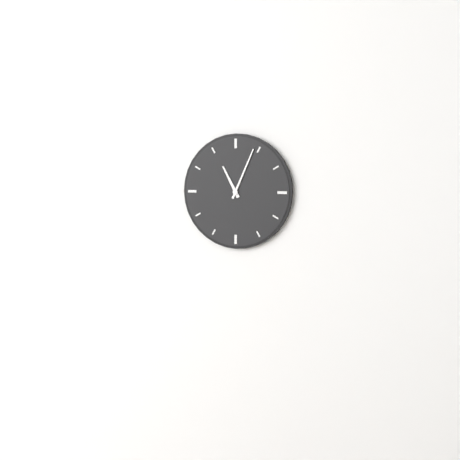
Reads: 11h04
